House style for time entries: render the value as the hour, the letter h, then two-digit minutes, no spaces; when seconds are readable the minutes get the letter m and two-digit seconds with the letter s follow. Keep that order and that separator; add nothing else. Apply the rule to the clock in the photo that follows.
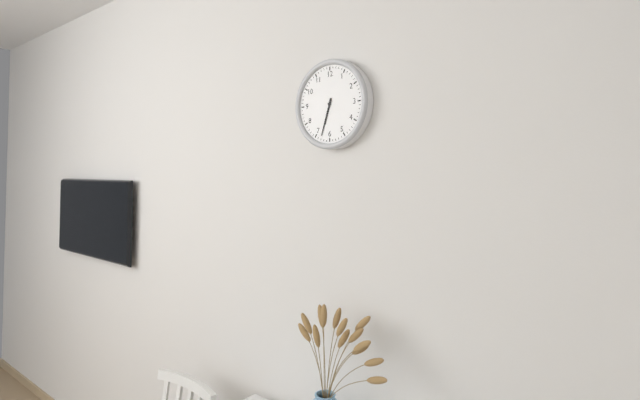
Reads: 6h33
